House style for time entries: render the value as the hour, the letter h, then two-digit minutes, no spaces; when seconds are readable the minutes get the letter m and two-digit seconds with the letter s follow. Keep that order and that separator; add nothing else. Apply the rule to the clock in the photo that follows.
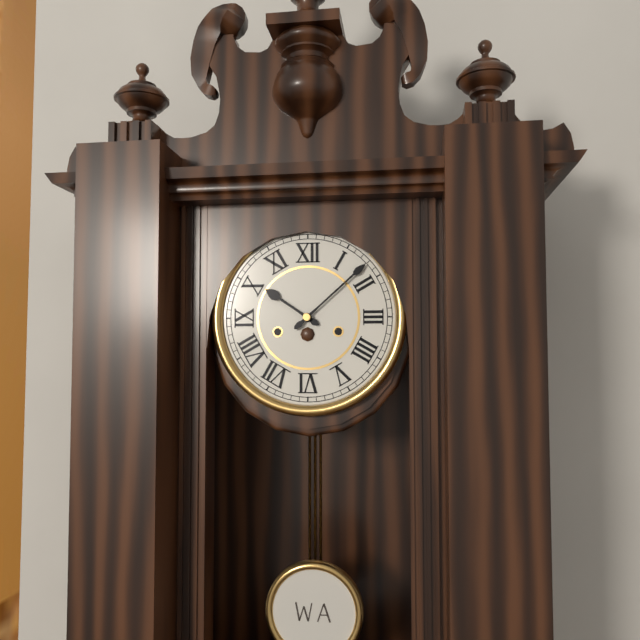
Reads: 10h08
